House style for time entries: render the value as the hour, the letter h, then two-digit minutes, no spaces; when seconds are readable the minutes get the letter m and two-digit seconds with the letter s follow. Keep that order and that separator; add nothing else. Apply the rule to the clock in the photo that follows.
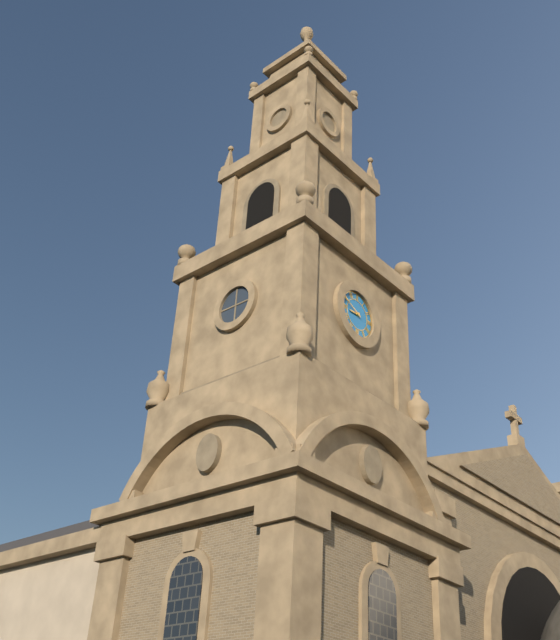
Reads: 8h49
